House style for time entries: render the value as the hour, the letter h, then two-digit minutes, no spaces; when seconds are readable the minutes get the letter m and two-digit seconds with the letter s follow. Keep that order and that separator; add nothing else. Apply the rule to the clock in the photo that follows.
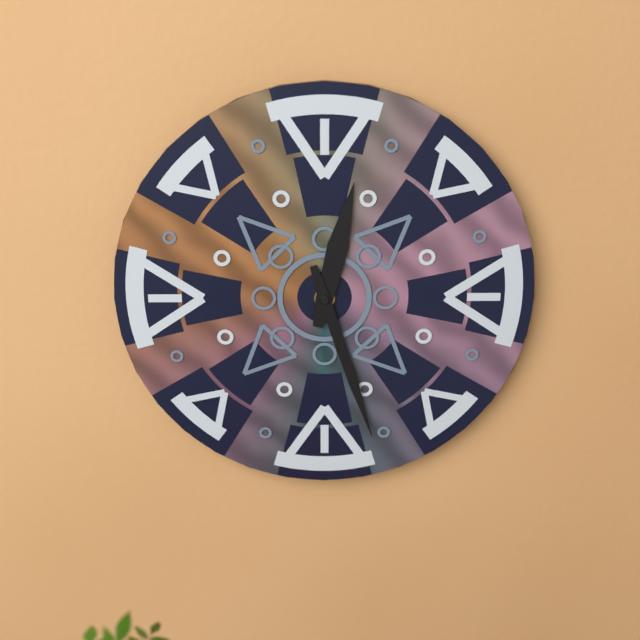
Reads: 12h27
